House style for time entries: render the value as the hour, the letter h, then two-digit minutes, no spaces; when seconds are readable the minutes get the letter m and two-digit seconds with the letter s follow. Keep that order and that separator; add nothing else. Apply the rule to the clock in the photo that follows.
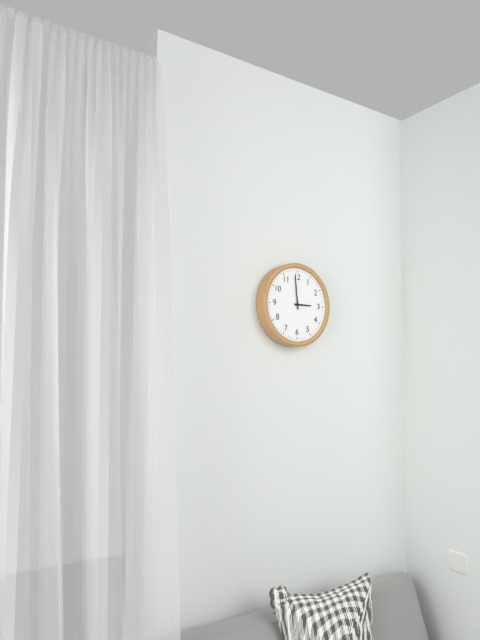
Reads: 2h59
